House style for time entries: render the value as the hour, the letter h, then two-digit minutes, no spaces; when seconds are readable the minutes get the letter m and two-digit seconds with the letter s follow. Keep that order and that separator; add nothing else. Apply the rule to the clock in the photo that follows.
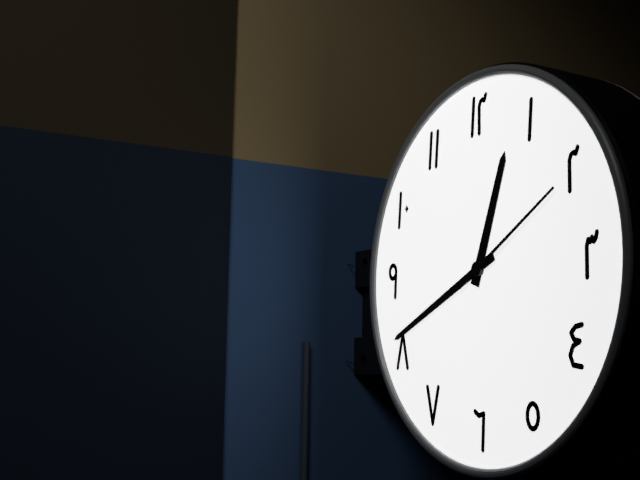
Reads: 12h41m10s
